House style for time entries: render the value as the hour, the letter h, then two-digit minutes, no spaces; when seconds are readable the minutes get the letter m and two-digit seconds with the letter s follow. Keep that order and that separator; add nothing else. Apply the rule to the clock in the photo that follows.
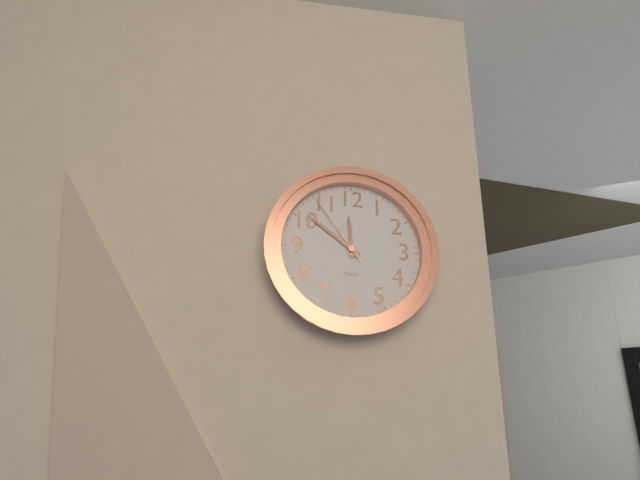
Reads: 11h51m54s
